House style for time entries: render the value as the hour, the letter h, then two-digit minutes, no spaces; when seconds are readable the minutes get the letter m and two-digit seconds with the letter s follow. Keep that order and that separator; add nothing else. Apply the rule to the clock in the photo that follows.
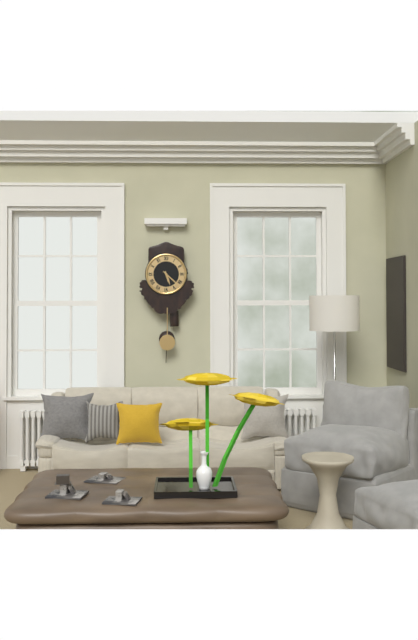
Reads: 5h22
